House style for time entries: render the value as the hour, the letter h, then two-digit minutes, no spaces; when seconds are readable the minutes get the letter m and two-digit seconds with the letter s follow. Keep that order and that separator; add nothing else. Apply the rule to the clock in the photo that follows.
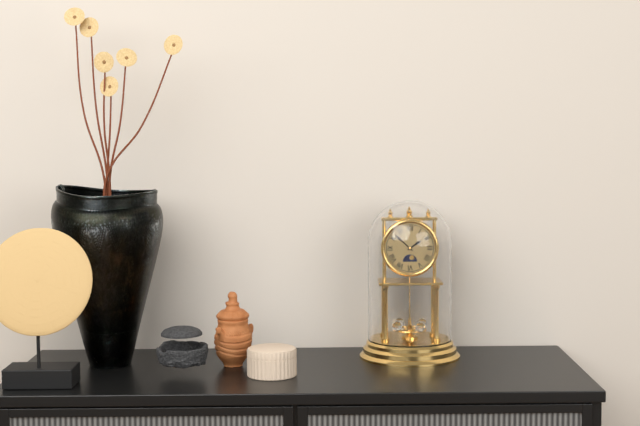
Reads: 1h52
